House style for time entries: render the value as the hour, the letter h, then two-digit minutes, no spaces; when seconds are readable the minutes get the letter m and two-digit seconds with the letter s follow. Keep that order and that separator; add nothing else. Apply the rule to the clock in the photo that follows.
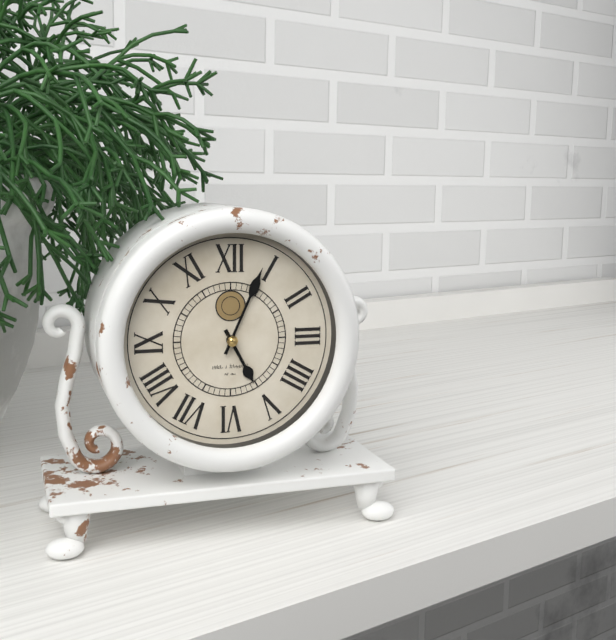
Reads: 5h04
